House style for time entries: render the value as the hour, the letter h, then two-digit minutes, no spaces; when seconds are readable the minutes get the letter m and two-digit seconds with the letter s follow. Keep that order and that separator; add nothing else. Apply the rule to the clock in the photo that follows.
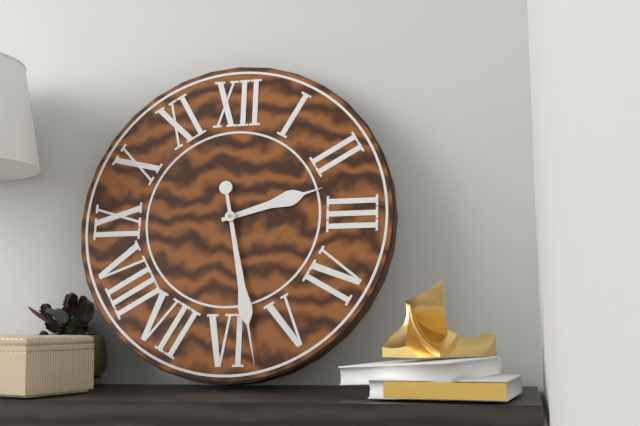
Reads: 2h28
